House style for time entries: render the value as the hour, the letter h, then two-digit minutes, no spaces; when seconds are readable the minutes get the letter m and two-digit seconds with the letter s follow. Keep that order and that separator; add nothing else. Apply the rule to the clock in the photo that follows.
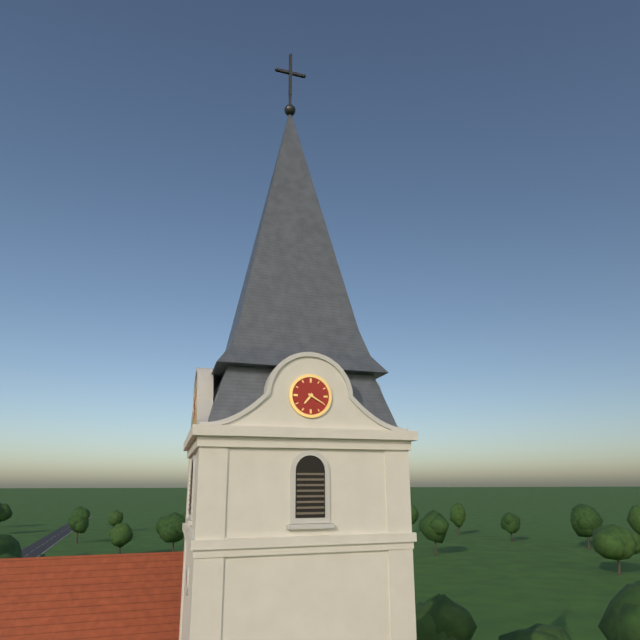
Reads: 7h20
